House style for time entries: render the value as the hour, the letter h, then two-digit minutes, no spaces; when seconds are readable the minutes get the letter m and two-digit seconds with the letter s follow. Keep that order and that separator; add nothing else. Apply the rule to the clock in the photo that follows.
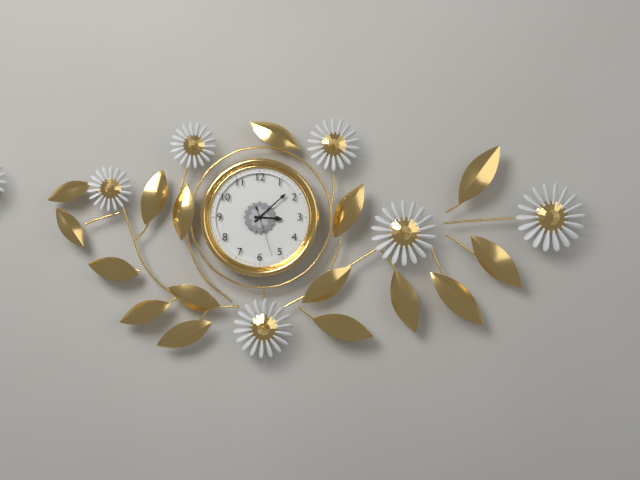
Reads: 3h08m27s
